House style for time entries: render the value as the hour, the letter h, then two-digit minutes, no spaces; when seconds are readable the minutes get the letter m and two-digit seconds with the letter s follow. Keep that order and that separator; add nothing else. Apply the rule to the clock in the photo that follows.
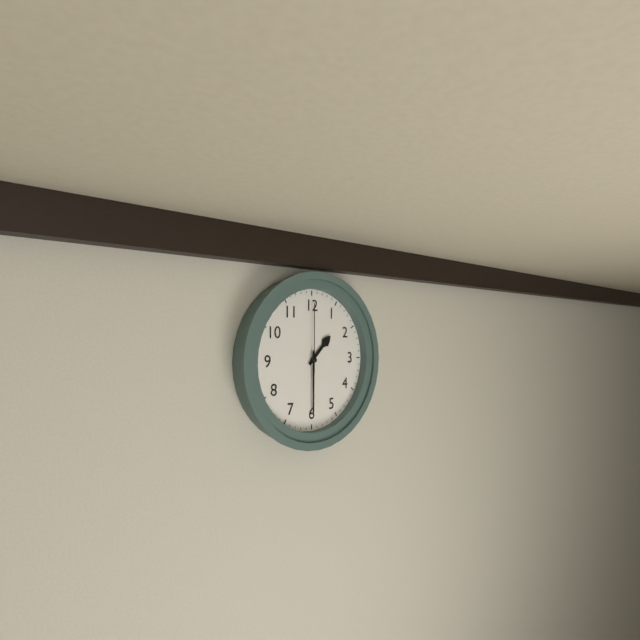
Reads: 1h30m00s
